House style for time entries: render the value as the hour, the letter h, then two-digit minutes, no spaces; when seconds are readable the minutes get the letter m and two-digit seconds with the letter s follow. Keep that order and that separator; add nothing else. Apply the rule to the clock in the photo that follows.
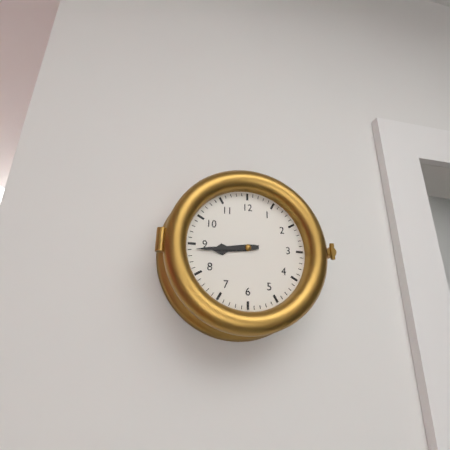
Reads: 8h44
